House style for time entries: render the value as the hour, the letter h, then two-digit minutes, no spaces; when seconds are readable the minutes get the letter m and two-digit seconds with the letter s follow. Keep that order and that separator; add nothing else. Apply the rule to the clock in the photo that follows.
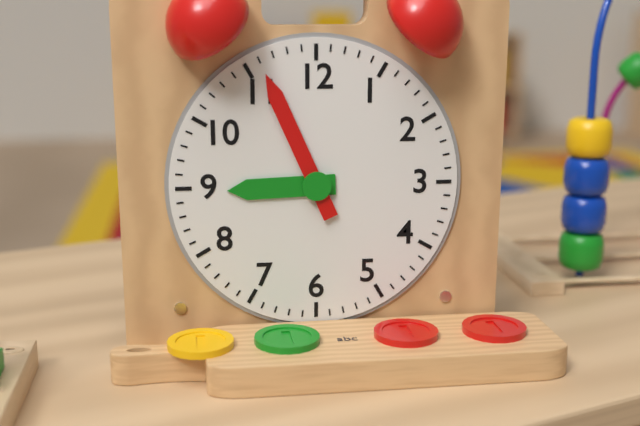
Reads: 8h56
